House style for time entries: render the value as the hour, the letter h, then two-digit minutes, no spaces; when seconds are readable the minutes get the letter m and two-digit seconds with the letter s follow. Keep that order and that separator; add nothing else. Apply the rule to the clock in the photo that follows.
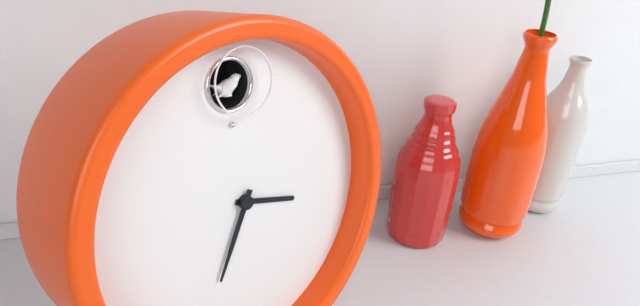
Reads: 3h35
